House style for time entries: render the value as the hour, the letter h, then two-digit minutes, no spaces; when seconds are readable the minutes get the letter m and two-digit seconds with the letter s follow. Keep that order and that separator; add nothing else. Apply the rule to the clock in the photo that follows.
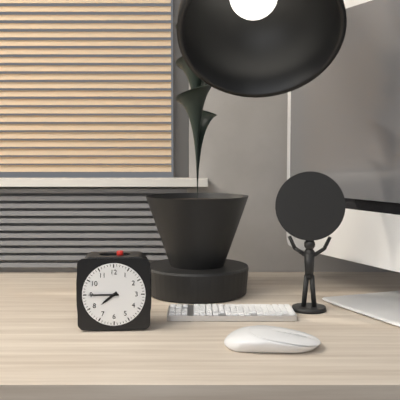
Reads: 7h45
